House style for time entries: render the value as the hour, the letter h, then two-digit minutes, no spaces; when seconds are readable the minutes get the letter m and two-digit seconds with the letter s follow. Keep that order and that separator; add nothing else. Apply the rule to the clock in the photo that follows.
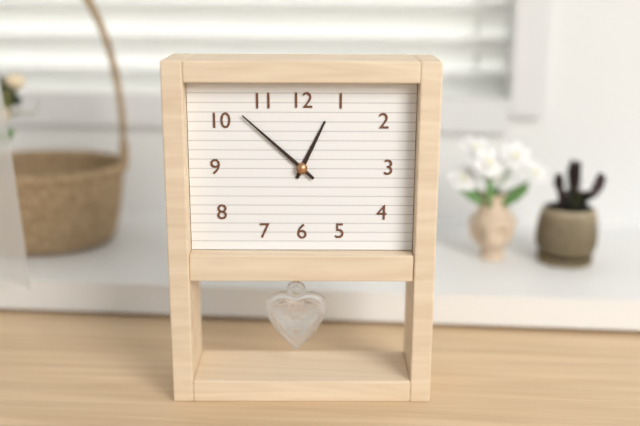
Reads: 12h52
